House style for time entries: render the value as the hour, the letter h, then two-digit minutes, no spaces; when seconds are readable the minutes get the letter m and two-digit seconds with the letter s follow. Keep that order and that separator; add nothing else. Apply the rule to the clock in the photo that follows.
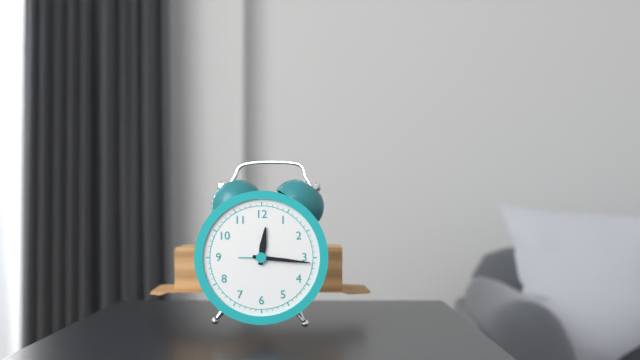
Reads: 12h16
